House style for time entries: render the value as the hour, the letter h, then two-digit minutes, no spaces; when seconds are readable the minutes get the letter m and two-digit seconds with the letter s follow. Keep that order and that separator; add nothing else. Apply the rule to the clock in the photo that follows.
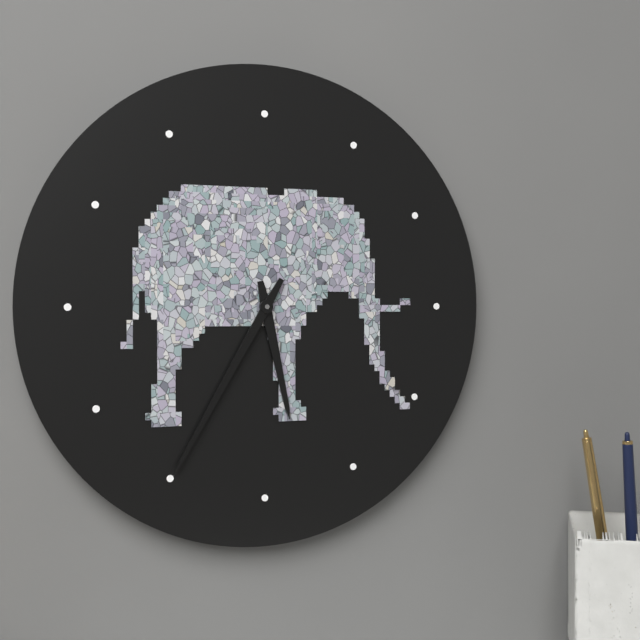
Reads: 5h35
